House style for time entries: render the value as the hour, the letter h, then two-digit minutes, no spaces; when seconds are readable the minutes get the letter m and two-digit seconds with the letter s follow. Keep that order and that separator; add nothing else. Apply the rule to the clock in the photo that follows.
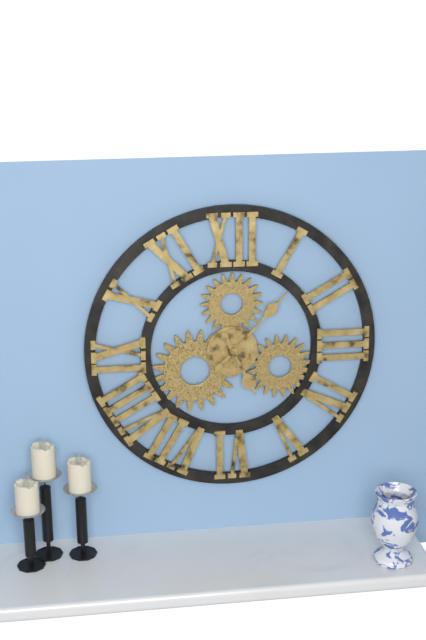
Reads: 5h07
